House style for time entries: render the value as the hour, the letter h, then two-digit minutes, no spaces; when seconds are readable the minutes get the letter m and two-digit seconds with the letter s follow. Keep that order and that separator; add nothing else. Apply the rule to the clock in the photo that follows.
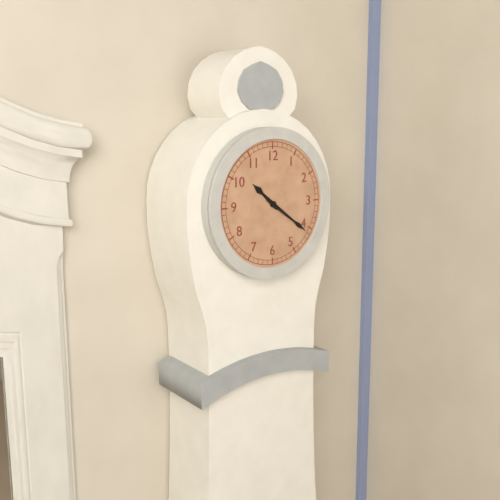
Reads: 10h21
